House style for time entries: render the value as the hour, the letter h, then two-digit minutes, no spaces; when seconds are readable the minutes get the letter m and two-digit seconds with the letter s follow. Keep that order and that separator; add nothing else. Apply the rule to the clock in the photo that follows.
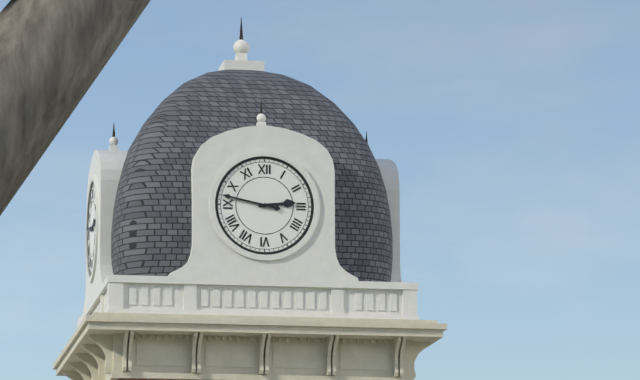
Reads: 2h47
